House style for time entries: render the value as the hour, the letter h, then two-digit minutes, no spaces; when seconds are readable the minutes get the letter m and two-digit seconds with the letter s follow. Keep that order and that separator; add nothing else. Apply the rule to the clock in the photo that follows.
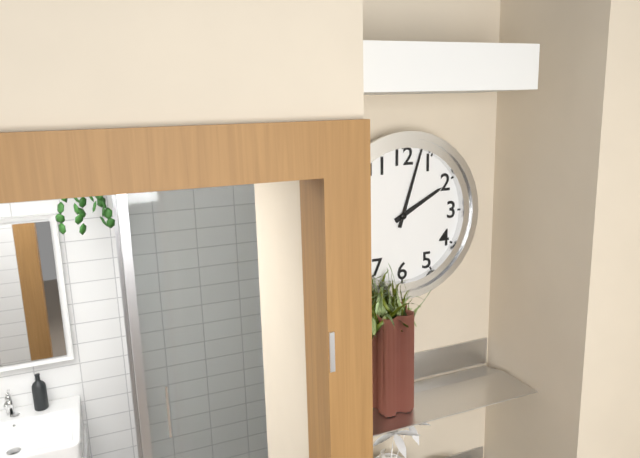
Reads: 2h03
